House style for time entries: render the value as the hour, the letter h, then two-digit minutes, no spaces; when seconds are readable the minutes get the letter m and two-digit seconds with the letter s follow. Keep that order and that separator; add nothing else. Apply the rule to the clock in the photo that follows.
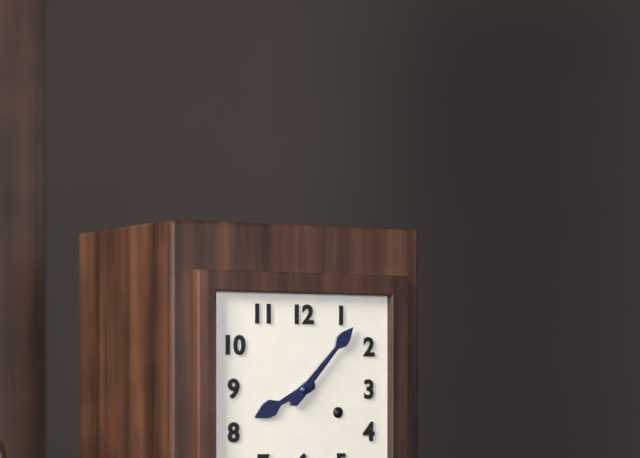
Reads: 8h07
